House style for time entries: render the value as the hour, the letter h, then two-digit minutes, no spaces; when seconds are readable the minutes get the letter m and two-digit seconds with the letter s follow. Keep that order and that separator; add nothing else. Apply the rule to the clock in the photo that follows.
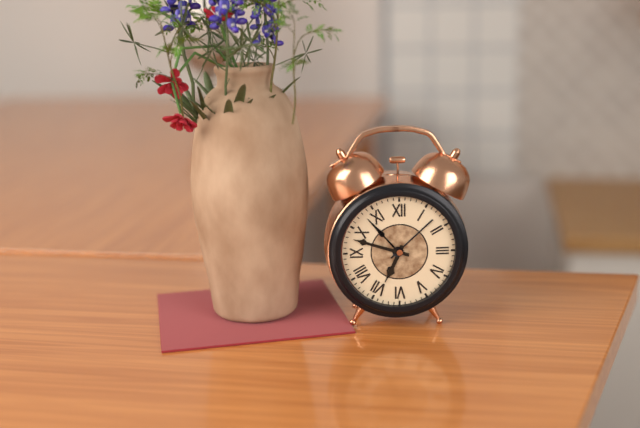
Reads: 6h48
